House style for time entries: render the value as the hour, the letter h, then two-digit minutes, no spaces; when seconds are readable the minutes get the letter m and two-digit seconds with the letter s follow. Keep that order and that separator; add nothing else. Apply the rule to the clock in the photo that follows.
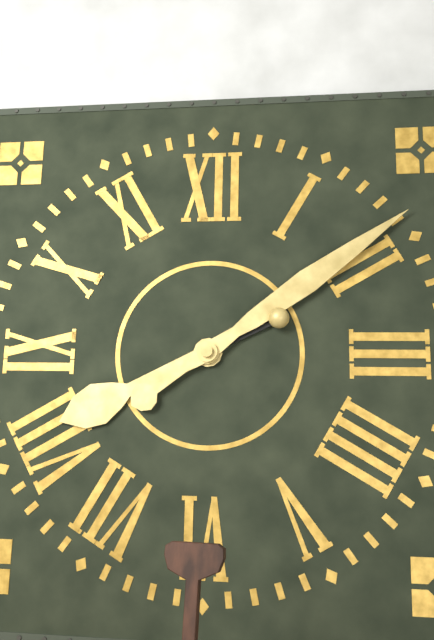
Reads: 8h09
